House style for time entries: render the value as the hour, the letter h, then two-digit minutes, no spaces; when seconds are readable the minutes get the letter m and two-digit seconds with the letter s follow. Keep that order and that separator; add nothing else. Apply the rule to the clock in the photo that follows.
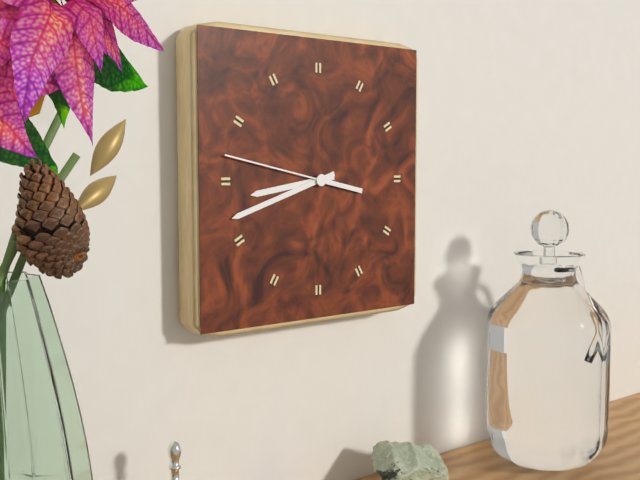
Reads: 8h42m47s
